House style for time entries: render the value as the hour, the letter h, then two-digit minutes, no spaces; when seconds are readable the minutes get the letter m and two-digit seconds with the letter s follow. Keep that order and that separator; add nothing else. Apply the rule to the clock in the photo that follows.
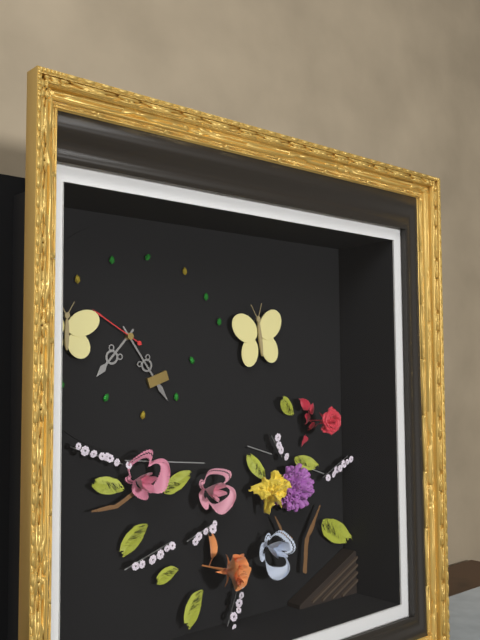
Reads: 7h24m50s
